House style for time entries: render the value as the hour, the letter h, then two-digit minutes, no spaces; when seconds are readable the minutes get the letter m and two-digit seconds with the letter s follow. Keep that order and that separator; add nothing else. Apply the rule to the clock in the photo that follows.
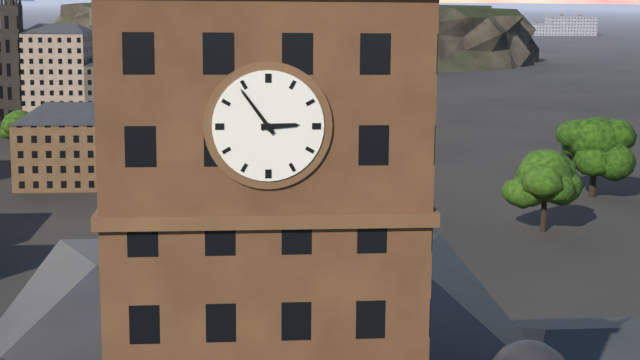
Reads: 2h54
